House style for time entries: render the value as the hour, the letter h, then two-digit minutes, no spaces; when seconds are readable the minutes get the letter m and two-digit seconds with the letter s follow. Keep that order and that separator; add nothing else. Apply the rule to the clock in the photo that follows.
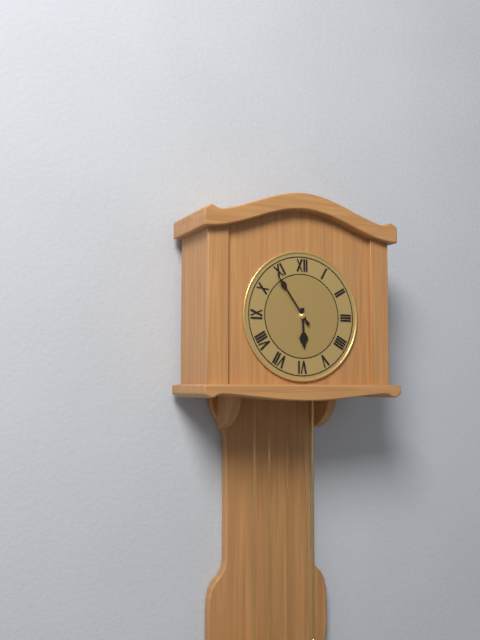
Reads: 5h54
